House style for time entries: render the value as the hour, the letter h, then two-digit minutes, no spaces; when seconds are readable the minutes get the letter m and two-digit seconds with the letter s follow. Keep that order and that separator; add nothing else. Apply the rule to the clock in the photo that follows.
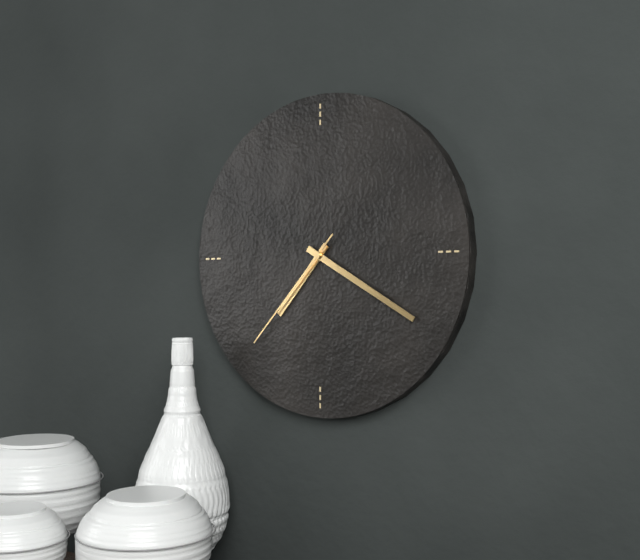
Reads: 7h20m37s
